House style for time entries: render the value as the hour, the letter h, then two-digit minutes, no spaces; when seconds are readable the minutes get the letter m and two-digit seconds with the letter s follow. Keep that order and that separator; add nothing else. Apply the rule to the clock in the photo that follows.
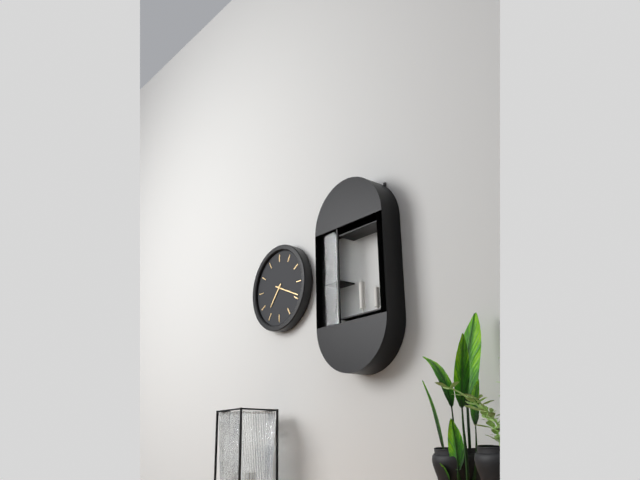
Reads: 7h19
